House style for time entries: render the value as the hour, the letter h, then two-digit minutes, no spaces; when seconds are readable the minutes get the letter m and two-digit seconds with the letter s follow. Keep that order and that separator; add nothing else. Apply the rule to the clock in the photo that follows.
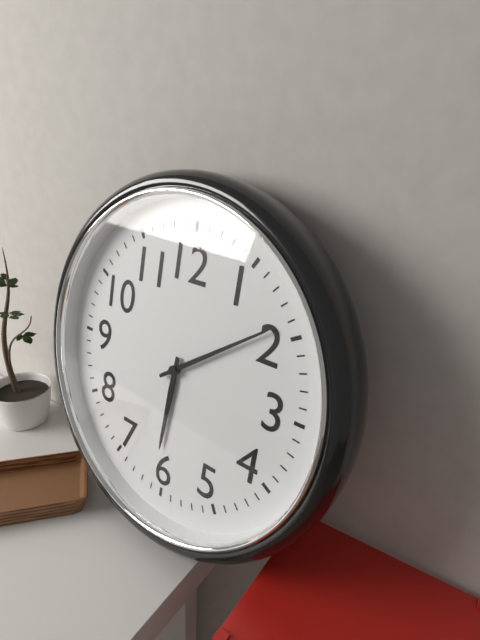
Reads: 6h09
